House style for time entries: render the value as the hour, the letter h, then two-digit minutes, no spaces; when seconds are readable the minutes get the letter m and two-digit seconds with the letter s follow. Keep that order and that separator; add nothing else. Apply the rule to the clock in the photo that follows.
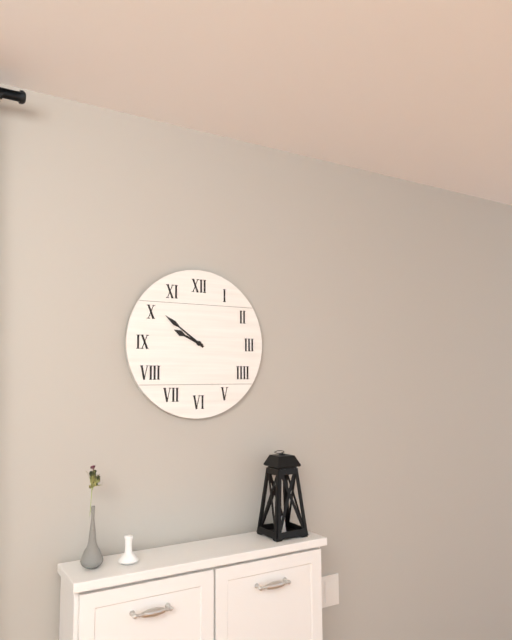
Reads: 9h51
